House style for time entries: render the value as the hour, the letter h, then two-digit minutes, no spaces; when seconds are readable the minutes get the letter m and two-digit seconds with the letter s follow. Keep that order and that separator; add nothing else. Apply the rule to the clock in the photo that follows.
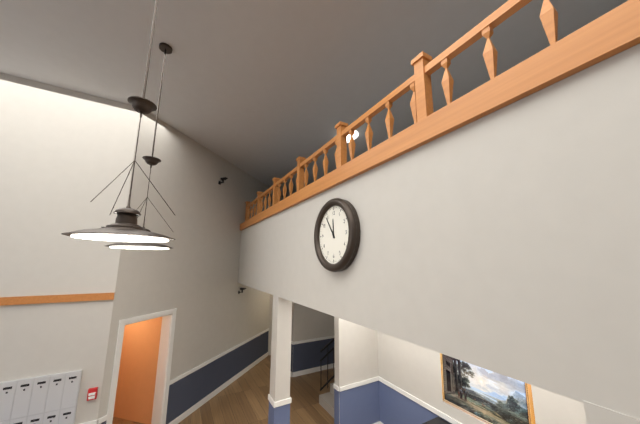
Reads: 11h54
